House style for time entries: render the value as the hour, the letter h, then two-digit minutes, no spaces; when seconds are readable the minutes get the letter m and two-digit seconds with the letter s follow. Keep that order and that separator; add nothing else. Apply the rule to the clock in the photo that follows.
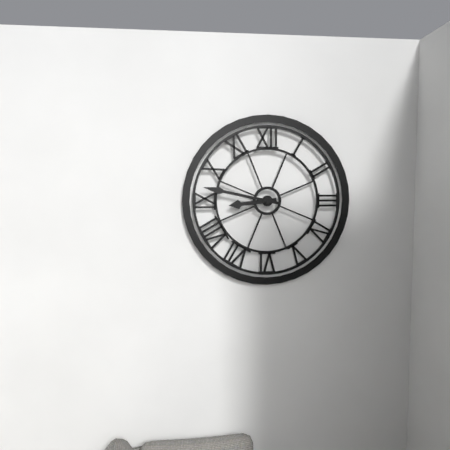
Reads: 8h47
